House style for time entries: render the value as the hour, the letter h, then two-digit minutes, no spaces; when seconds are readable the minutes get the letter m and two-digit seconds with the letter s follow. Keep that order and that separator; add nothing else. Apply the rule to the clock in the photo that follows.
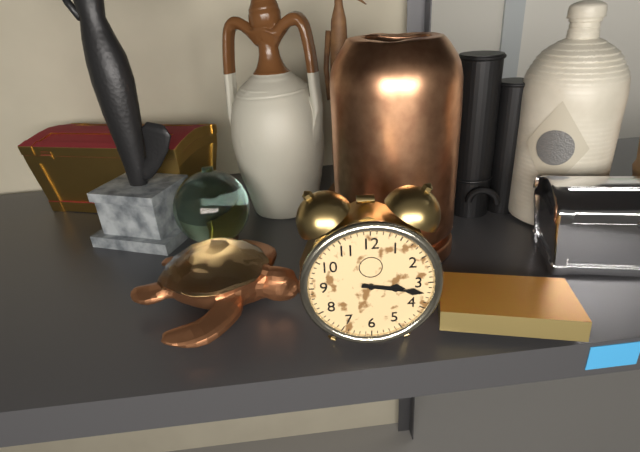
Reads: 3h17
